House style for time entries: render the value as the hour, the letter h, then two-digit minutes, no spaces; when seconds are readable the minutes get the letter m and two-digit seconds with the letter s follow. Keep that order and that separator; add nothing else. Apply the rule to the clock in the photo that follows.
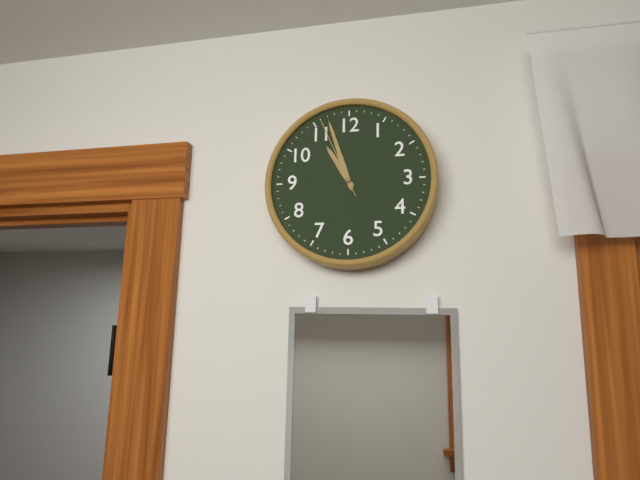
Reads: 10h57m56s
